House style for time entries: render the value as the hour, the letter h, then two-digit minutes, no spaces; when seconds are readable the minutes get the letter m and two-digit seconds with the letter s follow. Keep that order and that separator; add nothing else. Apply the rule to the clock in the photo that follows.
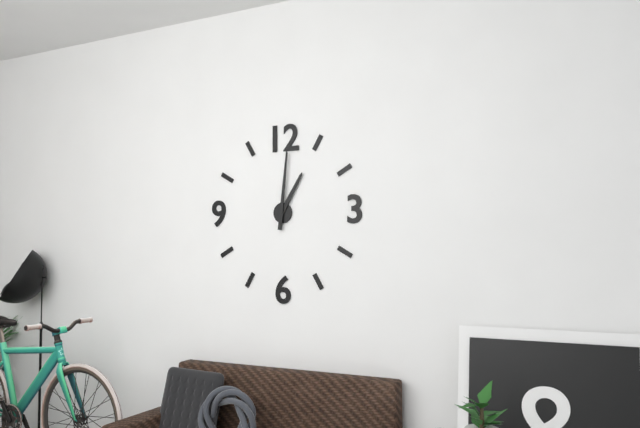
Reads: 1h01
